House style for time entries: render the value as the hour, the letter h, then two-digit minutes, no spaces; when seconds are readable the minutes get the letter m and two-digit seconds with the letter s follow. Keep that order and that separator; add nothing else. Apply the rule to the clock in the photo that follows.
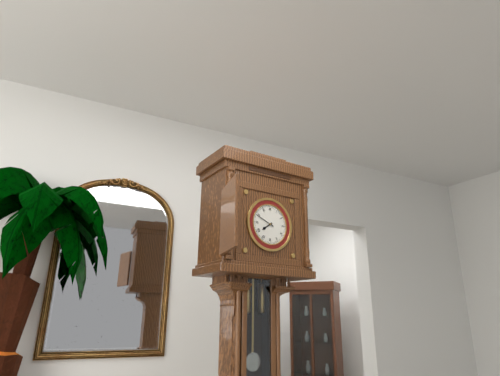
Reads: 7h49
